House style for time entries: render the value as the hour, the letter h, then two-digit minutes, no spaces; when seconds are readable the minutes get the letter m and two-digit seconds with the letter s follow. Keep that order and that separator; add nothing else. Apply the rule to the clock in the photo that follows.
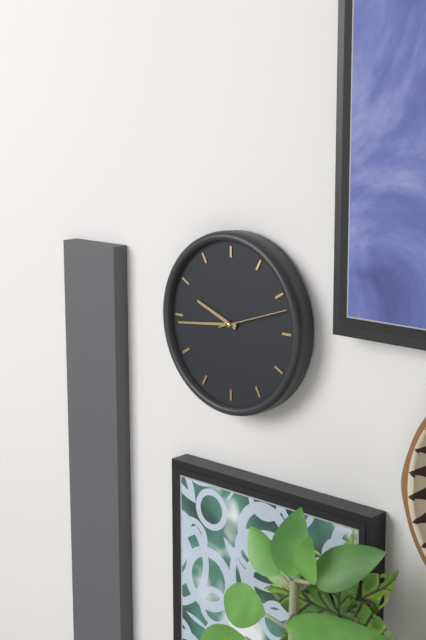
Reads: 9h44m12s
